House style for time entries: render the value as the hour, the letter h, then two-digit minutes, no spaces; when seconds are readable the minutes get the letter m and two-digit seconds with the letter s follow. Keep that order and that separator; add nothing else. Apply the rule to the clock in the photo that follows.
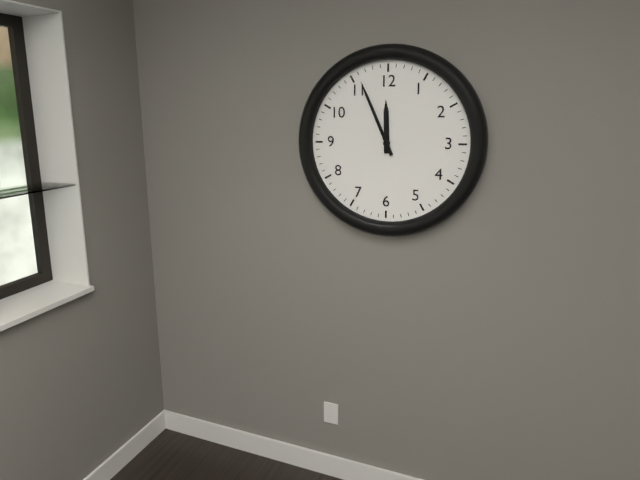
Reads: 11h56
